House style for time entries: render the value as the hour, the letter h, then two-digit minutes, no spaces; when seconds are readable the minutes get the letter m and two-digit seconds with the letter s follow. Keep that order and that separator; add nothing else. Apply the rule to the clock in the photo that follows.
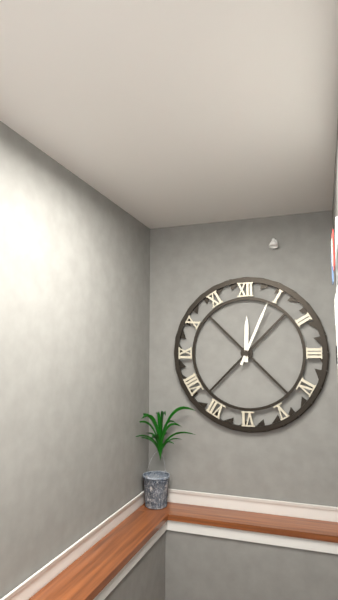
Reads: 12h04
